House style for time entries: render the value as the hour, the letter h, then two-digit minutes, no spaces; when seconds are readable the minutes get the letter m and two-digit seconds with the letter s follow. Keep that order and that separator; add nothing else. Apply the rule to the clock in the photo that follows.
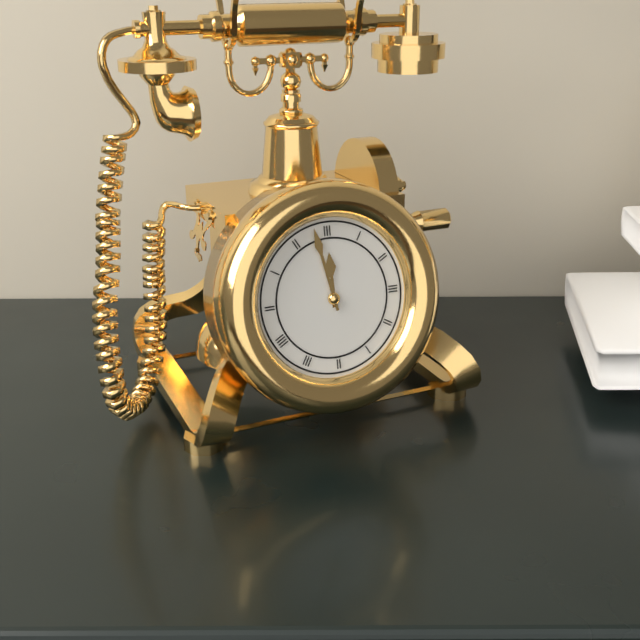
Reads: 11h58
